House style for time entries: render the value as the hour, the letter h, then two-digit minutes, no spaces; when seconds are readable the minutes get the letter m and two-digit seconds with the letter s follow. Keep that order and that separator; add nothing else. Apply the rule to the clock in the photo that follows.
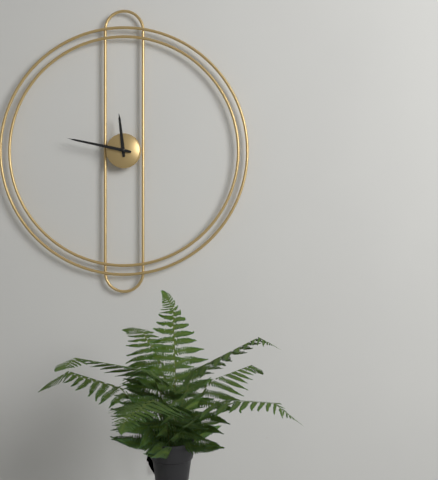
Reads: 11h47
